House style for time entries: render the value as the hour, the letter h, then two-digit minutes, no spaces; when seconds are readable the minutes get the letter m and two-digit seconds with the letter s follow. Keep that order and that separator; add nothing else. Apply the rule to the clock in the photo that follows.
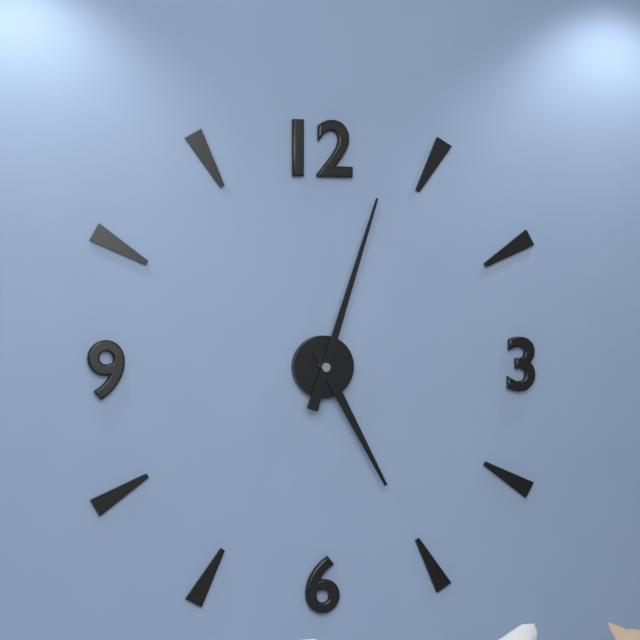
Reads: 5h03
